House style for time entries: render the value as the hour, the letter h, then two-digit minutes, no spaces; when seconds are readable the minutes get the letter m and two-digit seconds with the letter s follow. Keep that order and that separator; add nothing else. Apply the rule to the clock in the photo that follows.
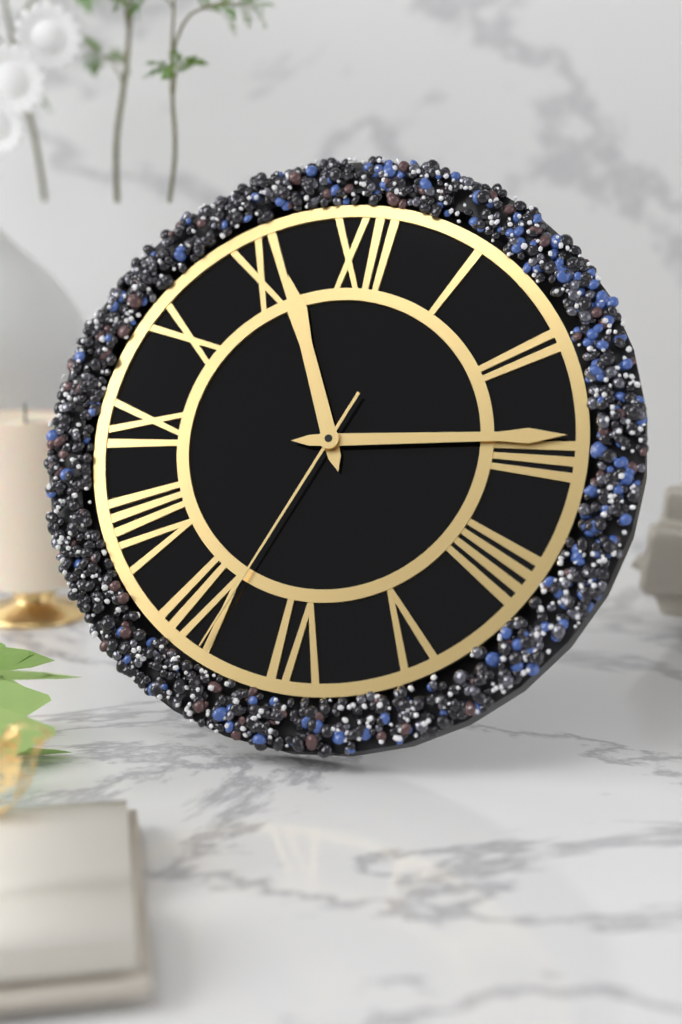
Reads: 11h14m34s
